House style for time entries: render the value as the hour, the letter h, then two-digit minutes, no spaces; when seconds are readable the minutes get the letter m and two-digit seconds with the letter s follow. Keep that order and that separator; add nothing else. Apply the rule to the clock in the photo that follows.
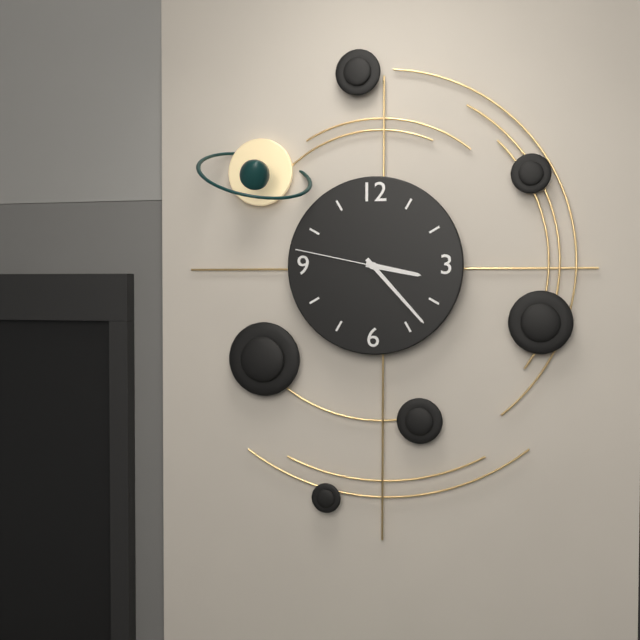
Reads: 3h23m47s
